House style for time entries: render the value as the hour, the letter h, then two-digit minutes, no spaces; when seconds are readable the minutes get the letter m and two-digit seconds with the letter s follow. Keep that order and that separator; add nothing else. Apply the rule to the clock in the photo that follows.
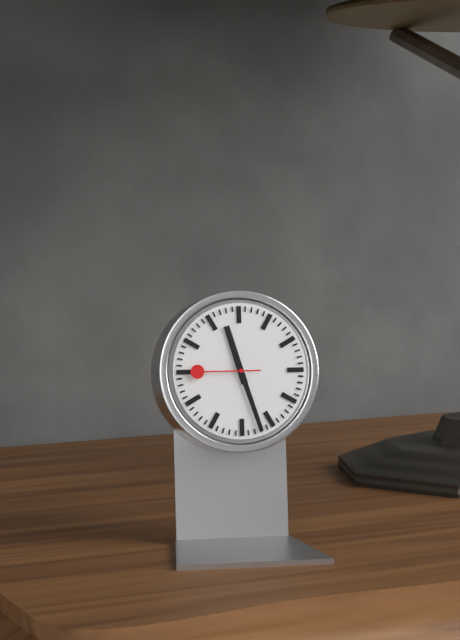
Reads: 11h27m45s
